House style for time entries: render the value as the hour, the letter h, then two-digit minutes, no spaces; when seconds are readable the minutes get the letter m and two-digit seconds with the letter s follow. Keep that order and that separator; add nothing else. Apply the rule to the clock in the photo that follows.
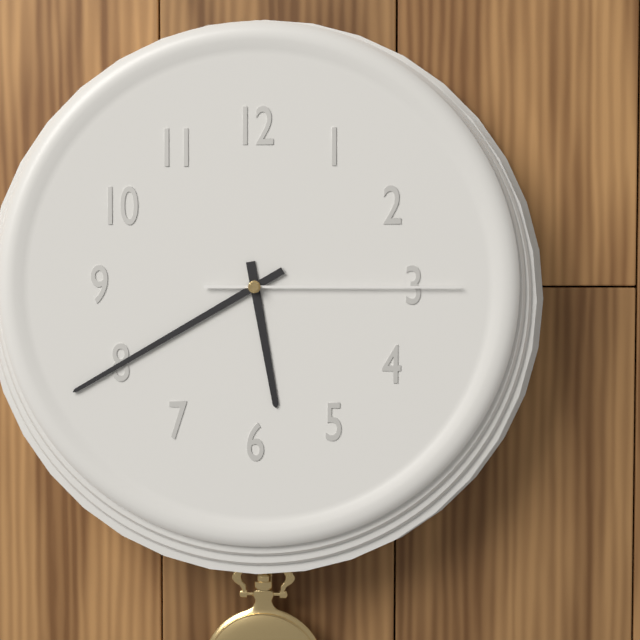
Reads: 5h40m15s
